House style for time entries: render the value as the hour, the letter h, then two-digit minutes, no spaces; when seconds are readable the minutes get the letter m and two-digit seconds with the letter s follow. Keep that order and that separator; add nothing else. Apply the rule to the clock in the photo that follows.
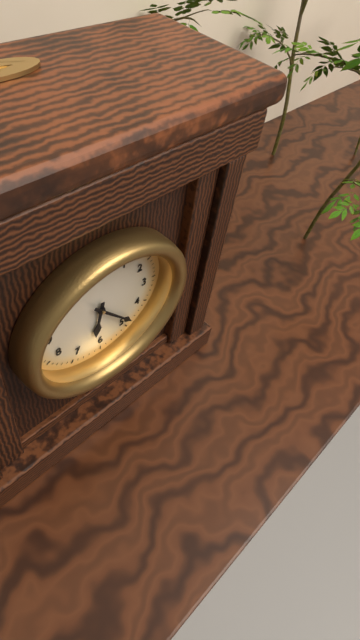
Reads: 6h23
